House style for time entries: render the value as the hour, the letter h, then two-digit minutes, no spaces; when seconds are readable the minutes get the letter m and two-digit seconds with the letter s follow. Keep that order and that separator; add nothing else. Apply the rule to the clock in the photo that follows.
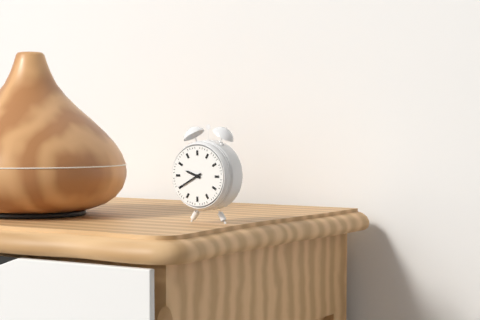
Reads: 9h40
